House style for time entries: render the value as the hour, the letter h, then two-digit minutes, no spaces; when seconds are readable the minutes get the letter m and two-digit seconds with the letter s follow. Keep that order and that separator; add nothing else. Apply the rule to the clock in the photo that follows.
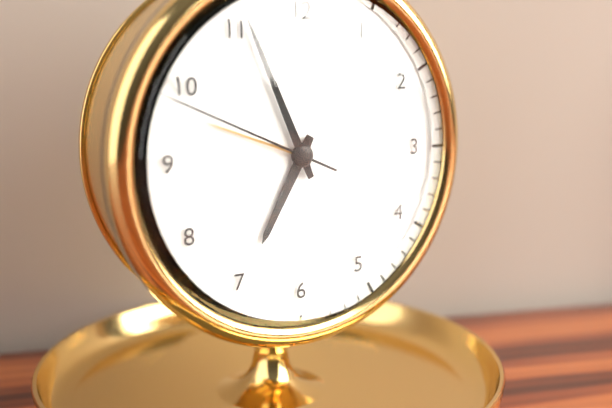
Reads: 6h56m49s
